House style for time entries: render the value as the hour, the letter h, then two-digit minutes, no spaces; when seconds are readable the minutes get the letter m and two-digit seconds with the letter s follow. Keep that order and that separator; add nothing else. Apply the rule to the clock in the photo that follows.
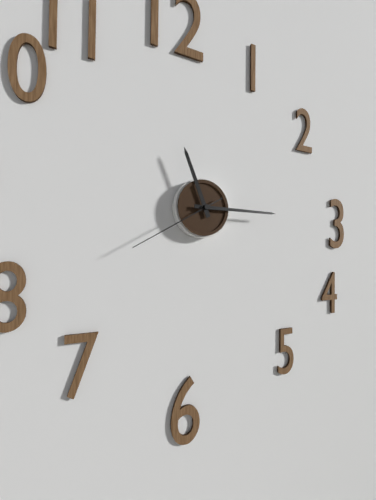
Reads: 11h15m40s
